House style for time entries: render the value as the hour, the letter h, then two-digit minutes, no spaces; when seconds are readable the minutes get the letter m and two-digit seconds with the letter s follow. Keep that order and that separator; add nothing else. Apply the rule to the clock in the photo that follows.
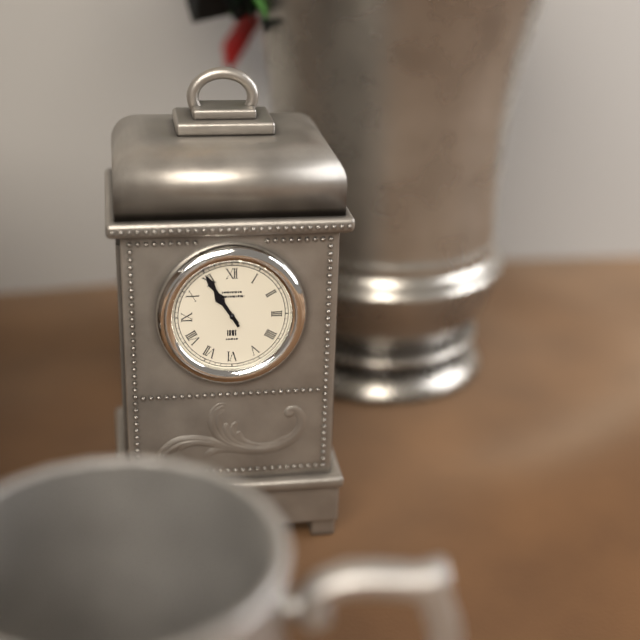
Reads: 10h55
